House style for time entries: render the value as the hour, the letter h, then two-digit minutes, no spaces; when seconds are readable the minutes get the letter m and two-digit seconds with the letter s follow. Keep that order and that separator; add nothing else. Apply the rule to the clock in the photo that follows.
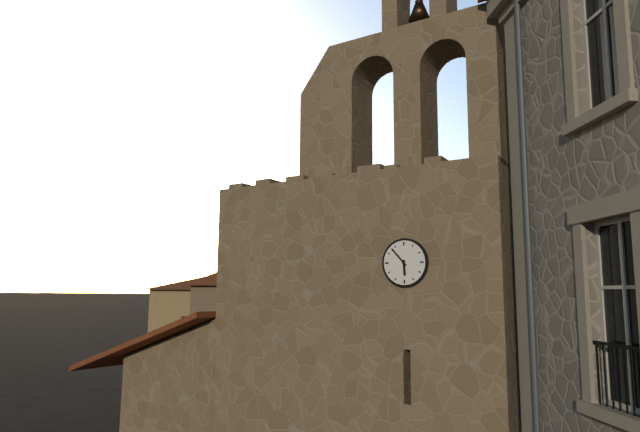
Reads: 5h53
